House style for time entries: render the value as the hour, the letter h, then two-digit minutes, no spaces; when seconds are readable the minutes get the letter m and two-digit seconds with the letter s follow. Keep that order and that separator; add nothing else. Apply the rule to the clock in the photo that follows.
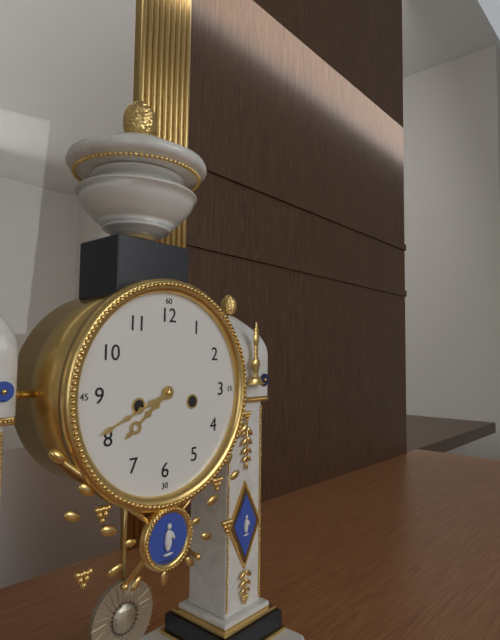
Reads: 7h41
